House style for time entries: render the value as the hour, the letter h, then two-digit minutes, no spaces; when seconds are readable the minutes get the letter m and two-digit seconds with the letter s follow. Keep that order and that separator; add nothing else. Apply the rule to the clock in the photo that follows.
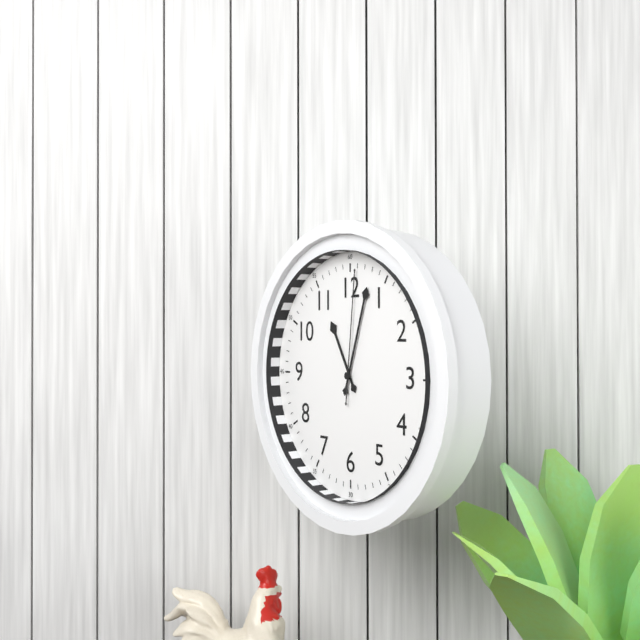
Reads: 11h03m01s
